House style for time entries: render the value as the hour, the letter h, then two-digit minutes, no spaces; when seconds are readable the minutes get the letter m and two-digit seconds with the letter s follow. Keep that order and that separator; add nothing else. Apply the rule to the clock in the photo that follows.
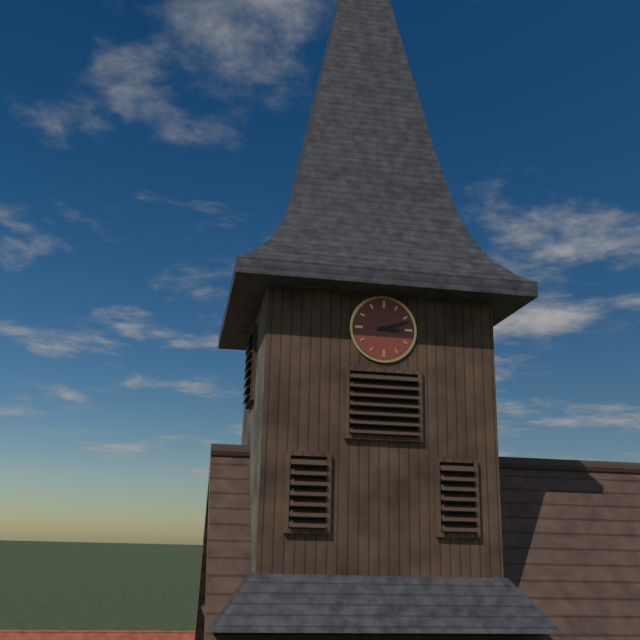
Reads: 3h12
